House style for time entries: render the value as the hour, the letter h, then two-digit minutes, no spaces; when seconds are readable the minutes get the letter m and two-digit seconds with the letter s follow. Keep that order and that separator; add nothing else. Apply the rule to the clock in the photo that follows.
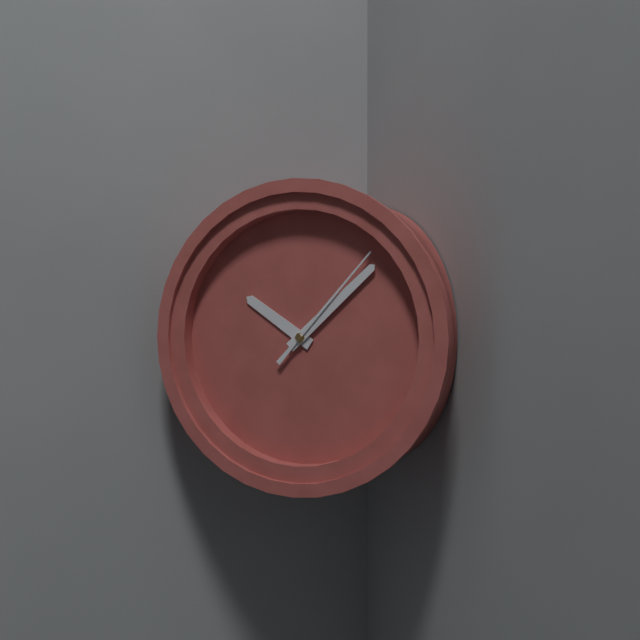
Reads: 10h08m07s
